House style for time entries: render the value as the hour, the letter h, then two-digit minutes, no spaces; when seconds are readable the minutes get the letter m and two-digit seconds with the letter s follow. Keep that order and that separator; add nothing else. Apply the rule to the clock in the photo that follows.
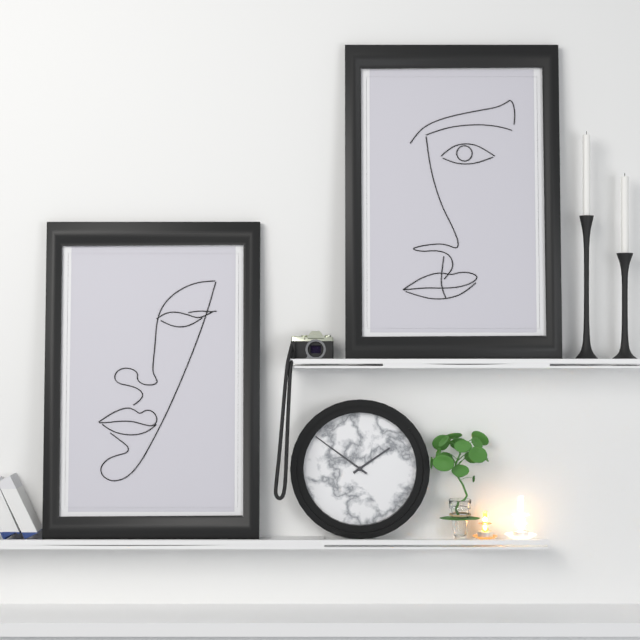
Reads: 1h51
